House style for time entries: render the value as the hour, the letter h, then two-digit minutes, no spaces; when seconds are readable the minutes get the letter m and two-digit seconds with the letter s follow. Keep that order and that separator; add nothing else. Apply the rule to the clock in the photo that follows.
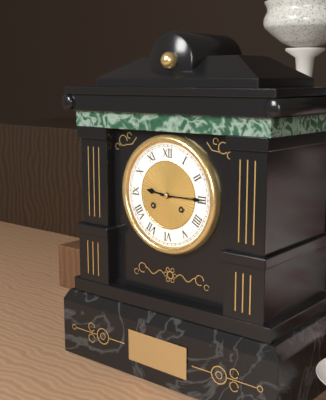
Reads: 9h15
